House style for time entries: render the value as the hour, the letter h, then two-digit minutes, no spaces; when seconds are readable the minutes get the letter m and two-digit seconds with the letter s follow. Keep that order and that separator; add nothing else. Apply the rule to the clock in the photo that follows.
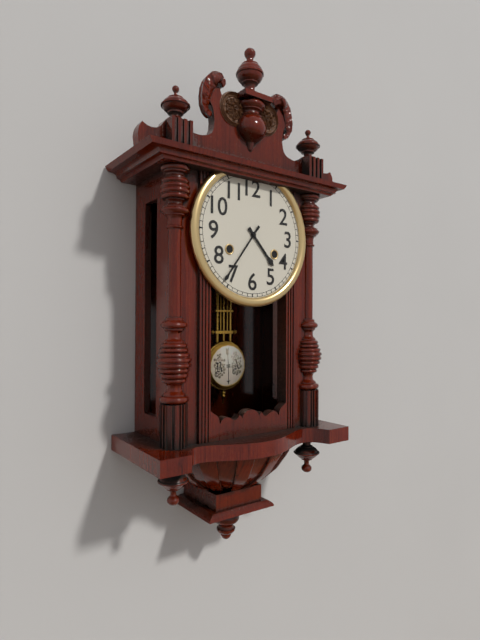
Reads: 4h36
